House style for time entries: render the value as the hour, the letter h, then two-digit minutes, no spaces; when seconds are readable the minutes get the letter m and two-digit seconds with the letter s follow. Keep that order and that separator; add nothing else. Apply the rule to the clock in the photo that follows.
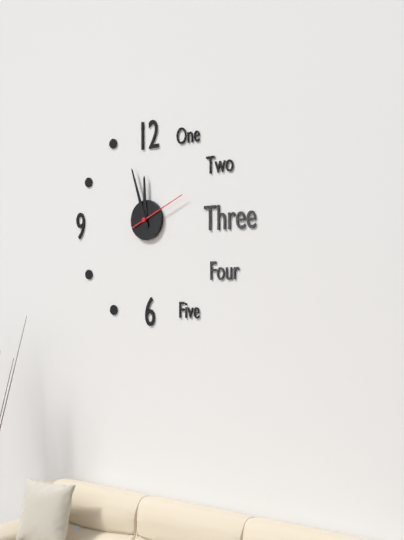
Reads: 11h57m11s
